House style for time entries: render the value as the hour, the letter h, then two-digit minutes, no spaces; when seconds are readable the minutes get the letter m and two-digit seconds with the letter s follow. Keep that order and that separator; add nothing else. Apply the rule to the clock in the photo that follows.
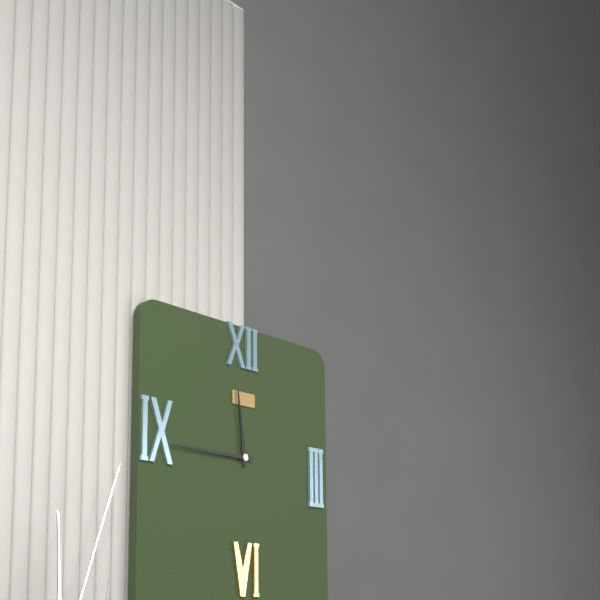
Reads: 11h45
